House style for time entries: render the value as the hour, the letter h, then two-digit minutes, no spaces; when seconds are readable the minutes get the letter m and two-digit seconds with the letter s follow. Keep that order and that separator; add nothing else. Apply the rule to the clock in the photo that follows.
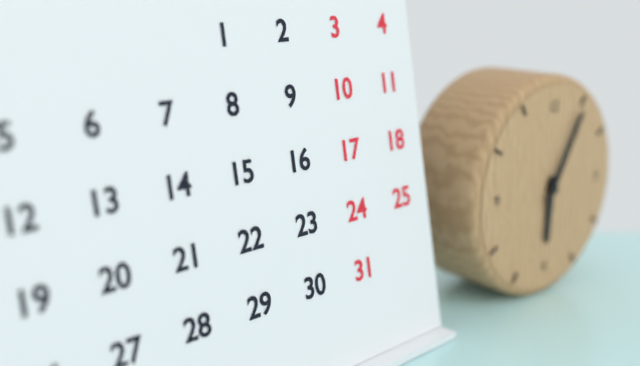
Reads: 6h05
